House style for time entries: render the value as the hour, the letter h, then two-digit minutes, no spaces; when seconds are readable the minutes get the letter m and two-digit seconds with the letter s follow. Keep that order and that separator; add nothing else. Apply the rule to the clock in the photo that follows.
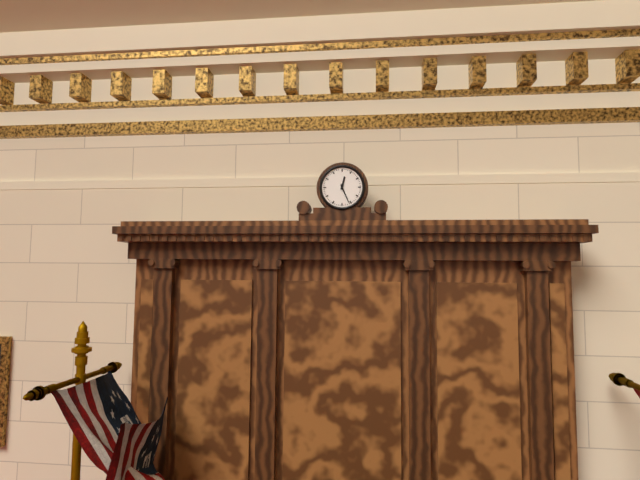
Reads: 12h26
